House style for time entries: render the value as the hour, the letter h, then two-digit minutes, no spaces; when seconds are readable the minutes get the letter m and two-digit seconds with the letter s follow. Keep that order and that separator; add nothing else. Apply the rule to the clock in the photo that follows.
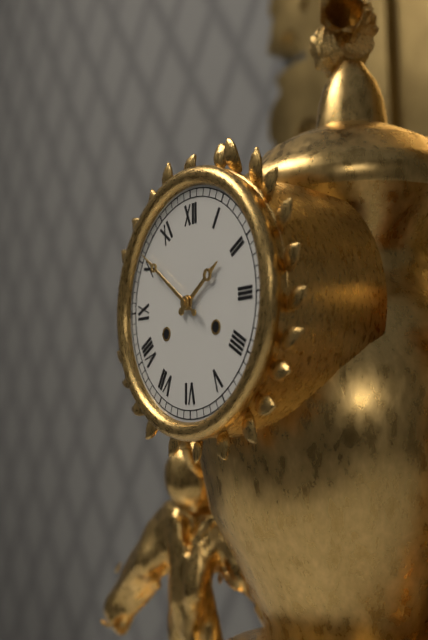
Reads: 1h51
